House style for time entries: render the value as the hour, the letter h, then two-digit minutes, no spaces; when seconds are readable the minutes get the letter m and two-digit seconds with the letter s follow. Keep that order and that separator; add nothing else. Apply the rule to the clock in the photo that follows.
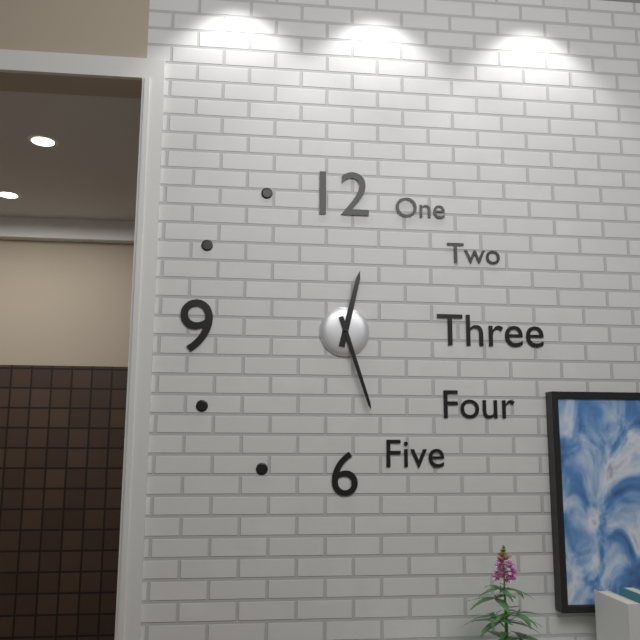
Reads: 12h27
